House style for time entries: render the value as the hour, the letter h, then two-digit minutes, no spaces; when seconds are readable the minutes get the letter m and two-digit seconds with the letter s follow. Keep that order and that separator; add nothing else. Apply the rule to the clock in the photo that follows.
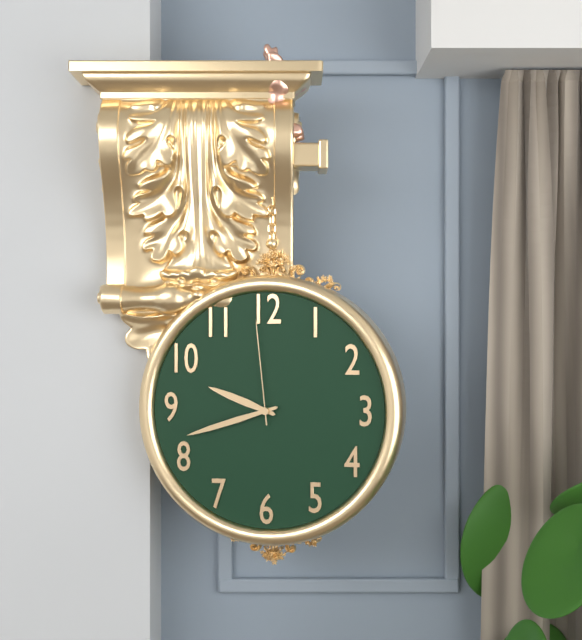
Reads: 9h42m59s
